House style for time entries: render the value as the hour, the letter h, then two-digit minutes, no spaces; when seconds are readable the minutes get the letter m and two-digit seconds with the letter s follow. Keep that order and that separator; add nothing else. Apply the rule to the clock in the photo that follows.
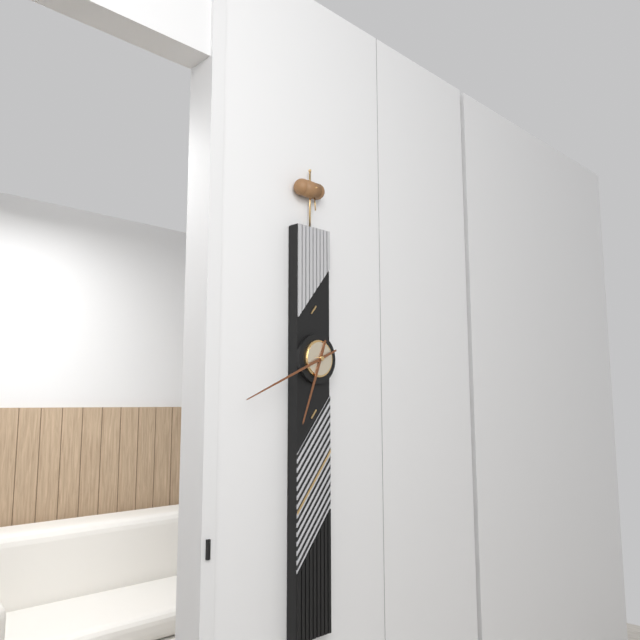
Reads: 6h41
